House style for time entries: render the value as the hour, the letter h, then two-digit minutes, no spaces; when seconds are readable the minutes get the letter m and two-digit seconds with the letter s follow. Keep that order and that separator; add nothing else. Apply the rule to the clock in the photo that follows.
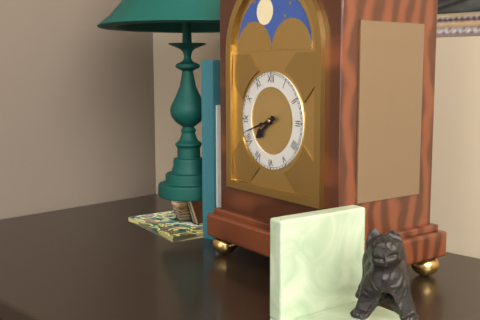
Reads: 7h42
